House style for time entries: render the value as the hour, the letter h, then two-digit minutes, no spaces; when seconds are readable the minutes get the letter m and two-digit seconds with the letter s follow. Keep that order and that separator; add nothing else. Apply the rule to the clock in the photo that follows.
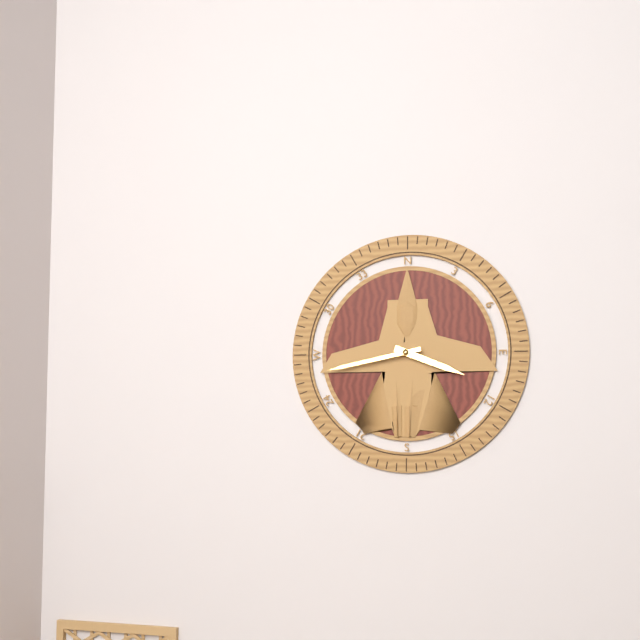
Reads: 3h43
